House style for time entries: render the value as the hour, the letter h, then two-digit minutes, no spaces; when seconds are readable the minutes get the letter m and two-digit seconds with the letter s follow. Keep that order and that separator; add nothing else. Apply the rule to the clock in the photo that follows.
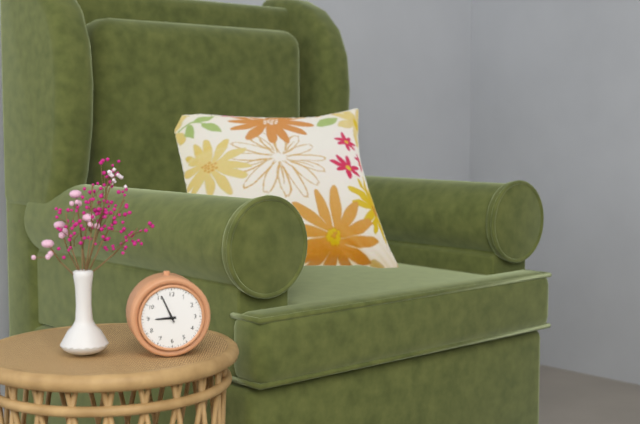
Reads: 8h56
